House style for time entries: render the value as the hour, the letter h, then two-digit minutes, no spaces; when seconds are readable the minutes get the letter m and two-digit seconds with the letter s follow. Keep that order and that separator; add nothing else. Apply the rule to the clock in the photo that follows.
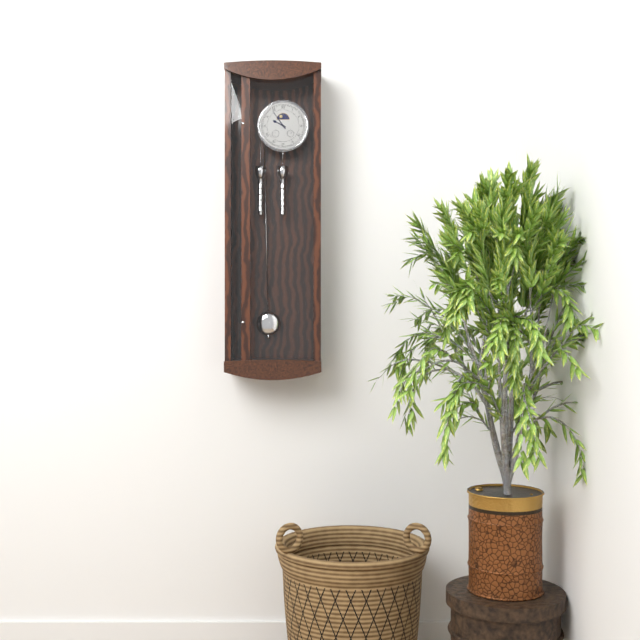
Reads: 9h54
